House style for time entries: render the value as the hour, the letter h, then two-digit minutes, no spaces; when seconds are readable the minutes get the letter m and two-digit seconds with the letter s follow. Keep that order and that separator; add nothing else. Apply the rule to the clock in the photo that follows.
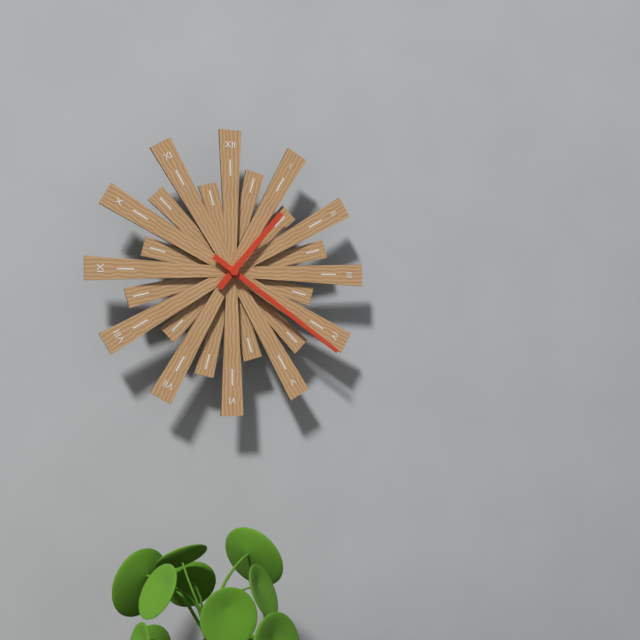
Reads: 1h21
